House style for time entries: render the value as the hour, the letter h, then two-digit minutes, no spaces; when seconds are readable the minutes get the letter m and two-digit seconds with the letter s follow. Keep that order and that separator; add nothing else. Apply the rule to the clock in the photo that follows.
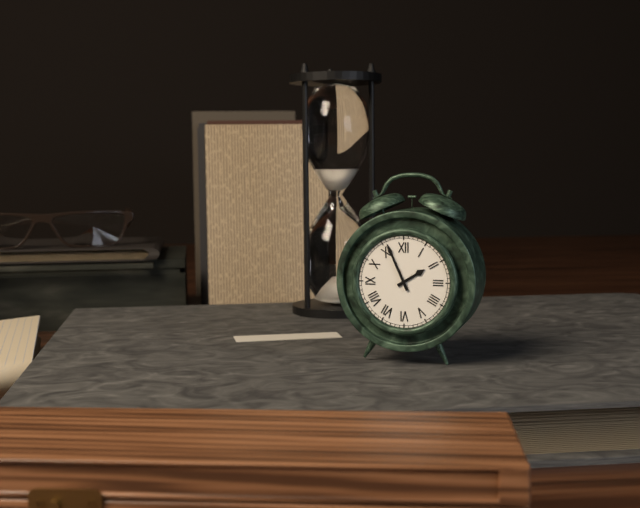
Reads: 1h56
